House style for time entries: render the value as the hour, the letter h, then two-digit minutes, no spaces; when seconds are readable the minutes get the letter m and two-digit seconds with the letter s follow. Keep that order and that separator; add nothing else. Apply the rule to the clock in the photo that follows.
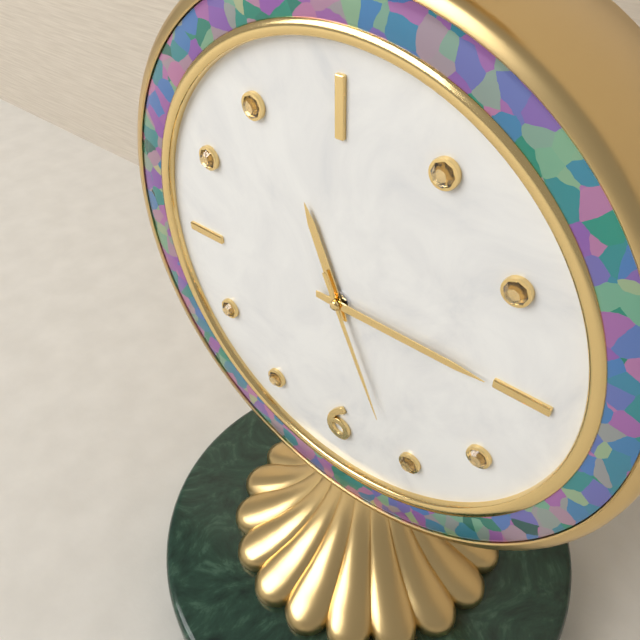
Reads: 11h15m26s
